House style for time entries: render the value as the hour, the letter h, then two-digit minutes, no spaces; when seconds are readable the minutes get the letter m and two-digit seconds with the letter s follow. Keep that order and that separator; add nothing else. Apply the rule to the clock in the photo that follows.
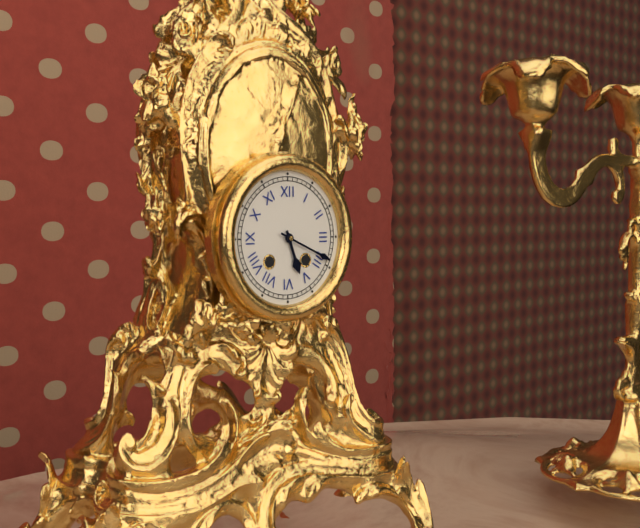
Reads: 5h19
